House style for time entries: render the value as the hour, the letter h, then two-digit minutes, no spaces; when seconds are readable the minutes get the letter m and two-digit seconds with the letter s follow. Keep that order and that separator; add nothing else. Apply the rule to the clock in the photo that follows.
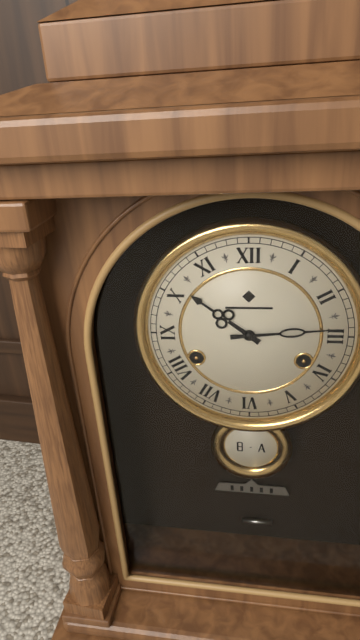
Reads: 10h14
